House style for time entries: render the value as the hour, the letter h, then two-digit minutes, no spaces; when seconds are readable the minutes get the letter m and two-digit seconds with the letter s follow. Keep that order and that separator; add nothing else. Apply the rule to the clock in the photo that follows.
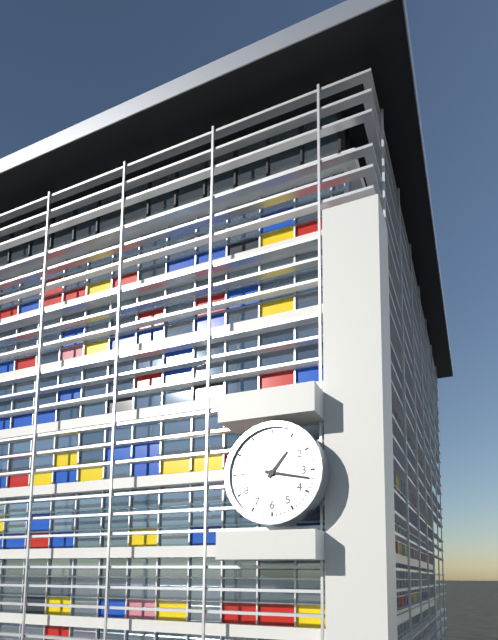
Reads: 1h17
